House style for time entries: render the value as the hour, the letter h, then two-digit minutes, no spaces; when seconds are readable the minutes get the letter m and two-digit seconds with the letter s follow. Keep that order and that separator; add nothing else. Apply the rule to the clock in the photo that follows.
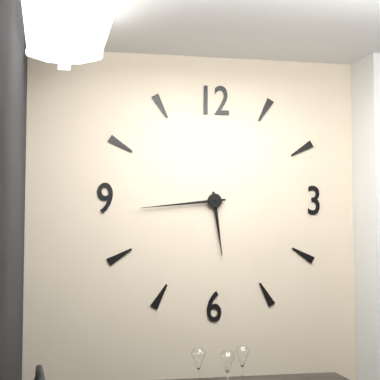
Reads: 5h44
